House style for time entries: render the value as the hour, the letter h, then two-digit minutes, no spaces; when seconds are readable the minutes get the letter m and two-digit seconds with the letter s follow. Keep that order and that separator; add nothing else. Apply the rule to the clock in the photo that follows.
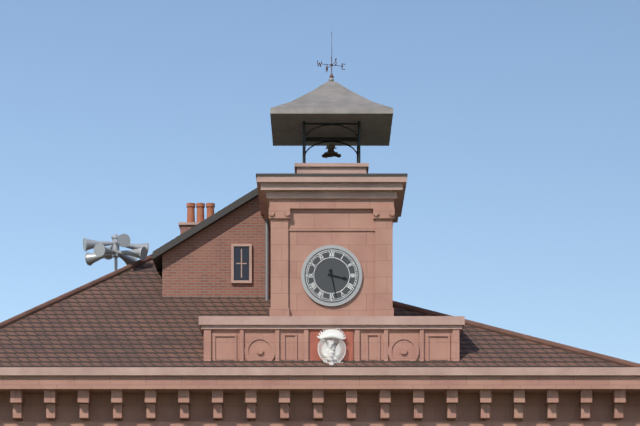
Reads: 3h28
